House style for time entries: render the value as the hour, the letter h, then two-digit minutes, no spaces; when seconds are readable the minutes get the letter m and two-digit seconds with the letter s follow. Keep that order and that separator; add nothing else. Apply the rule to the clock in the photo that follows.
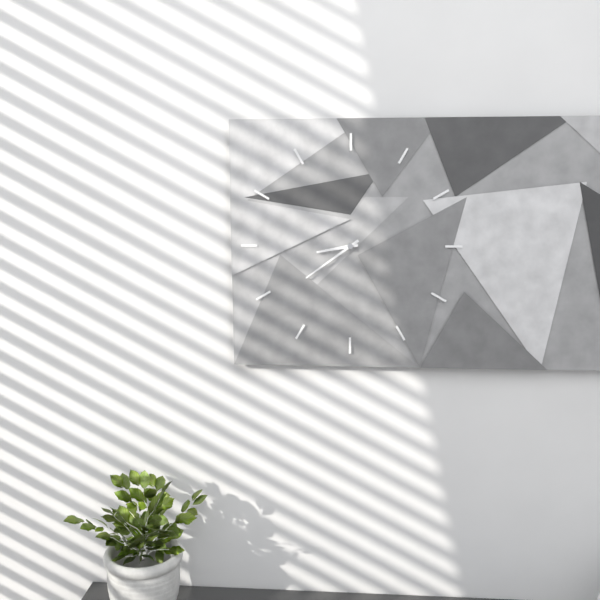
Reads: 8h39
